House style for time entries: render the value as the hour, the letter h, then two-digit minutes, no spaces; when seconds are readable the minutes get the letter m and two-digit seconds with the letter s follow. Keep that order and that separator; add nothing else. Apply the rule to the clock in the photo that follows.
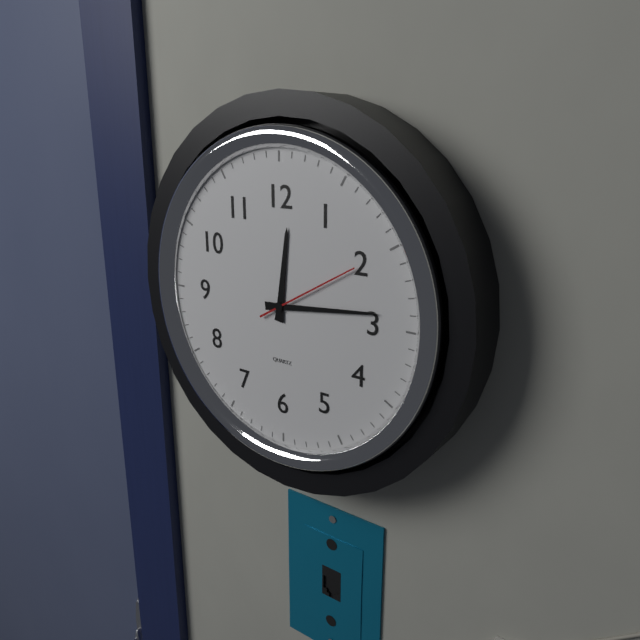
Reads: 12h14m10s
